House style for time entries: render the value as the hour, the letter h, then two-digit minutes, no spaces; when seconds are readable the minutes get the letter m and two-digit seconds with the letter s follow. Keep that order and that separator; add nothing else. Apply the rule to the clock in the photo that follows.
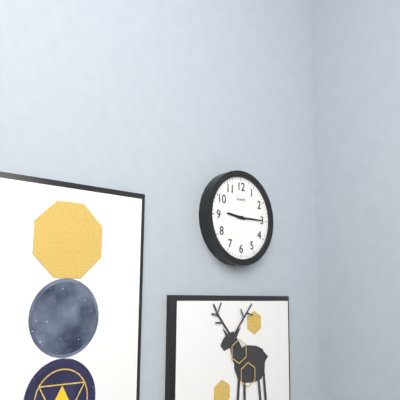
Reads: 9h15
